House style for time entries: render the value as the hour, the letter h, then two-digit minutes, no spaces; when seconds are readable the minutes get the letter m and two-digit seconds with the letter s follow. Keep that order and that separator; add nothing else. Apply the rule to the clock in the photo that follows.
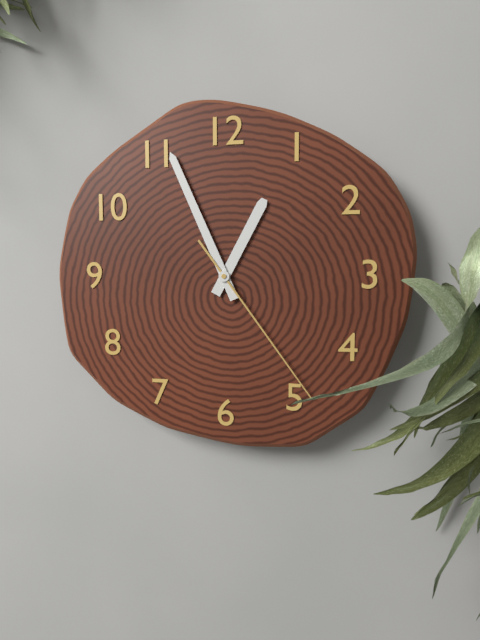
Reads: 12h56m24s
